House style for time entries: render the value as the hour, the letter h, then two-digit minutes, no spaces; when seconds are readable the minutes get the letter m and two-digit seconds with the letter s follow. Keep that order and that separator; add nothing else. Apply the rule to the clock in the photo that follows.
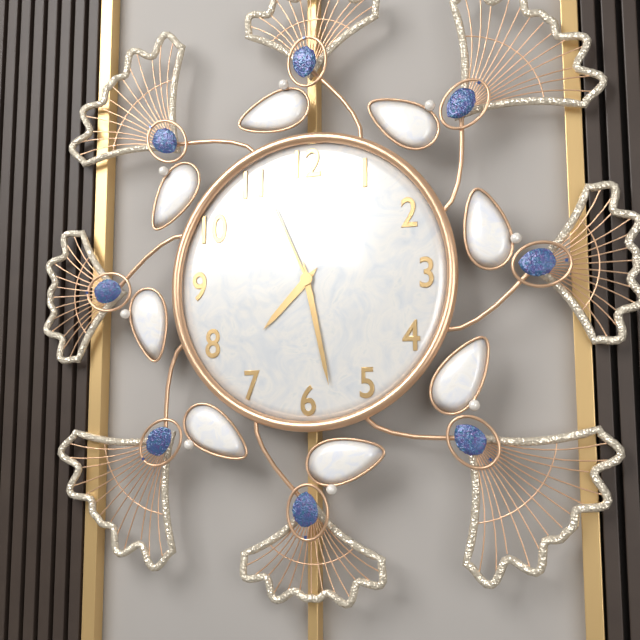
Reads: 7h28m56s
